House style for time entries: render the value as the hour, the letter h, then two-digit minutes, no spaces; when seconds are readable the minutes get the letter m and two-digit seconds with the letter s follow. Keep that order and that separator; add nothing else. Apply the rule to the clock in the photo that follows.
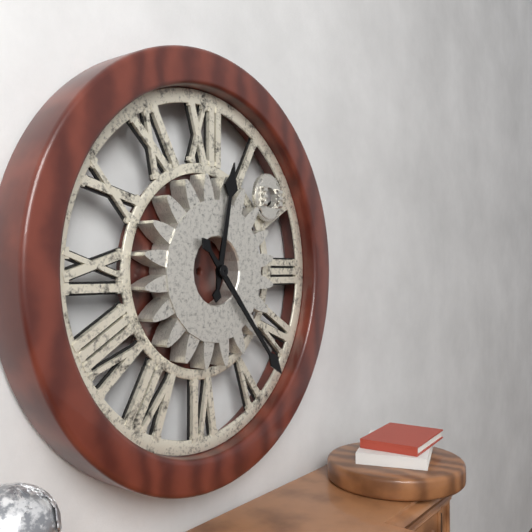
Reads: 12h23
